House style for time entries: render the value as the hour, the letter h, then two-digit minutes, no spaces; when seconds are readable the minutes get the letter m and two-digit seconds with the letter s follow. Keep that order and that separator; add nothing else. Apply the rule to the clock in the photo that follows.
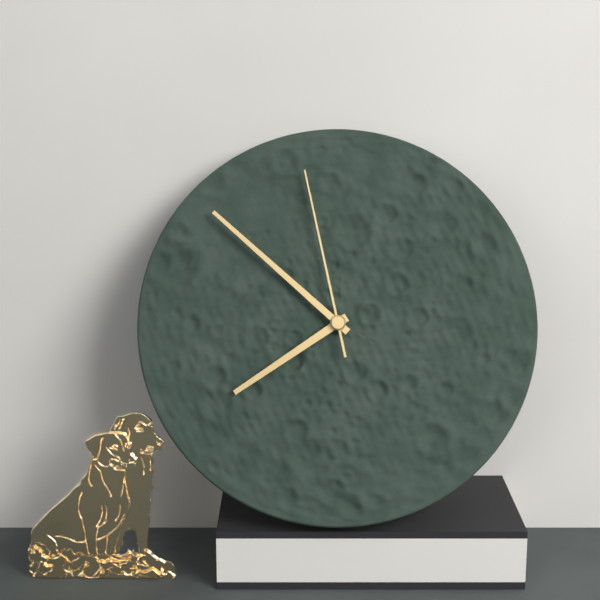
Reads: 7h52m58s
